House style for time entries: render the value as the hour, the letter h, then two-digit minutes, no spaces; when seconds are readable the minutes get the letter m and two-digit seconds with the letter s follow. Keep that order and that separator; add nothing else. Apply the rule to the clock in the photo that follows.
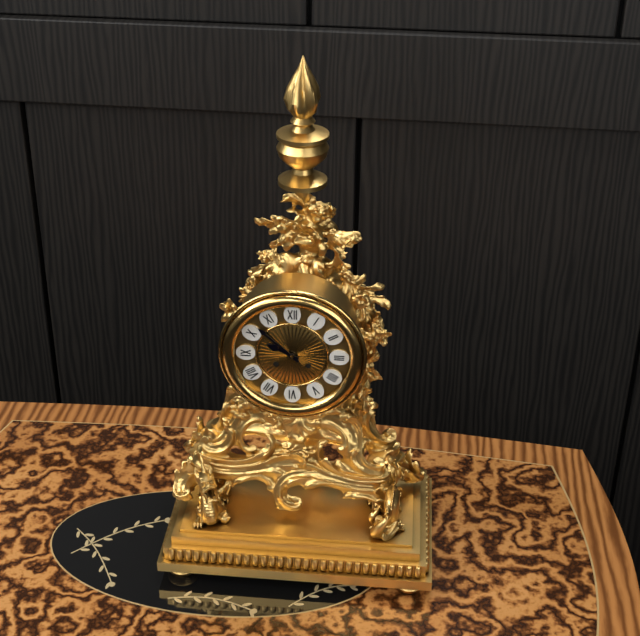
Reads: 9h52
